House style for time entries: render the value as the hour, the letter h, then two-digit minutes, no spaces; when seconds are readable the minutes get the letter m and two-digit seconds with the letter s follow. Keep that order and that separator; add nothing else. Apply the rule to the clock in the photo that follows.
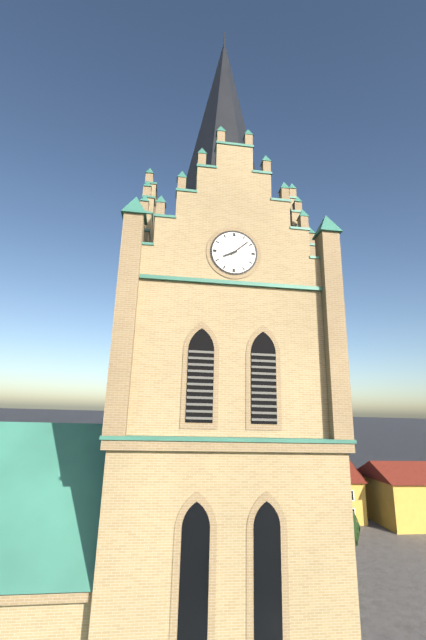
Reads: 8h08
